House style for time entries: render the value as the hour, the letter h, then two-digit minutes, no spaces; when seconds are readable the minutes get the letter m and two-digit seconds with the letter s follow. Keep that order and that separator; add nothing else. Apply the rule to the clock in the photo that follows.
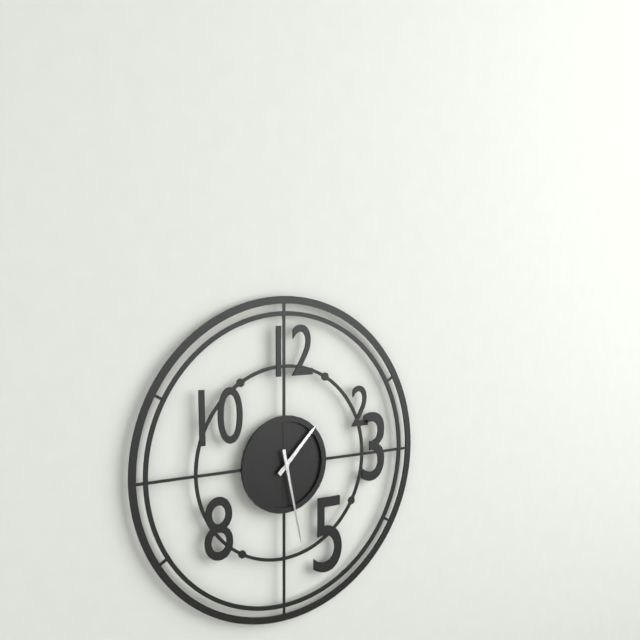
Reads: 1h28
